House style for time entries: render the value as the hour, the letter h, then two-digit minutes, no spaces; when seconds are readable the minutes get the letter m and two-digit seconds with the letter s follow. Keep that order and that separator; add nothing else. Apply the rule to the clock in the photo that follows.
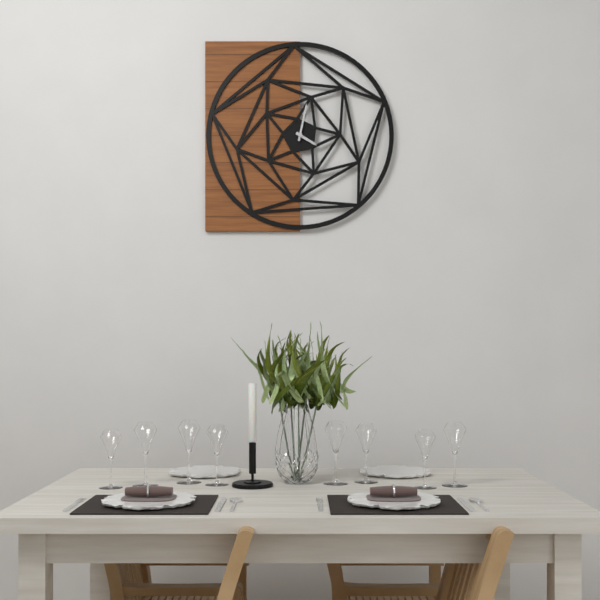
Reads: 4h02
